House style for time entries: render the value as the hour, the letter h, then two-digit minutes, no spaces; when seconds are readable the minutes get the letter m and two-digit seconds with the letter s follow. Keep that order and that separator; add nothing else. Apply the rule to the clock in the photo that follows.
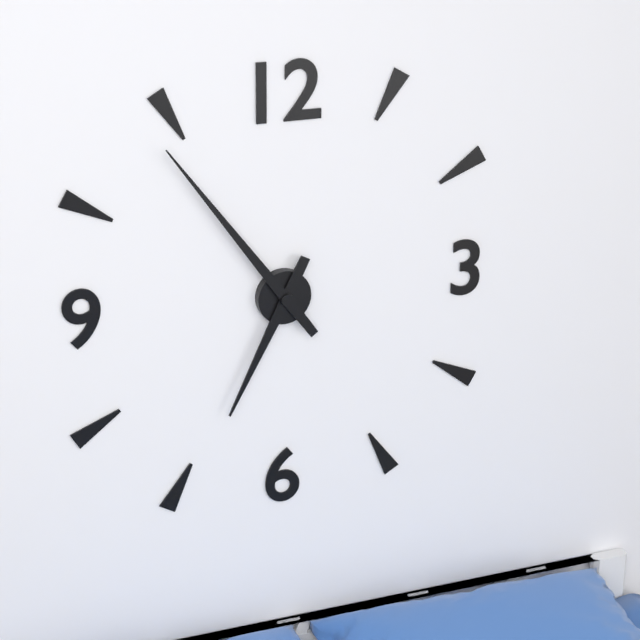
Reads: 6h54
